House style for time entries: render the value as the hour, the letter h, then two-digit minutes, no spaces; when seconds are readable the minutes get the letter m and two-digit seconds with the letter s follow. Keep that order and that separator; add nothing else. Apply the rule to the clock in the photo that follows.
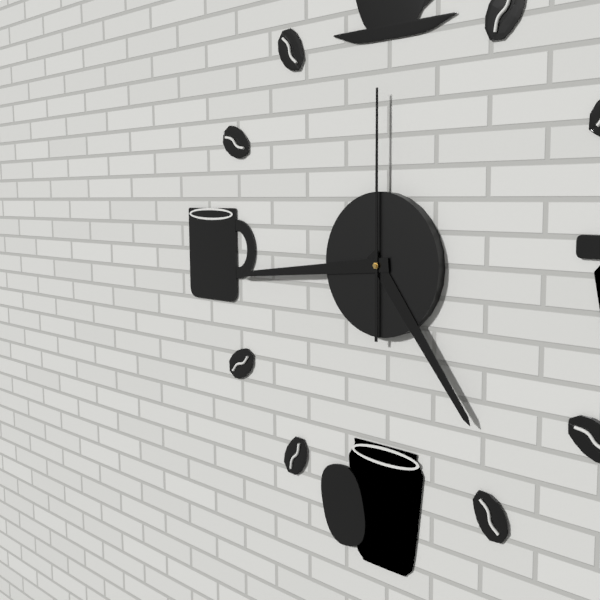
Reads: 4h44m00s
